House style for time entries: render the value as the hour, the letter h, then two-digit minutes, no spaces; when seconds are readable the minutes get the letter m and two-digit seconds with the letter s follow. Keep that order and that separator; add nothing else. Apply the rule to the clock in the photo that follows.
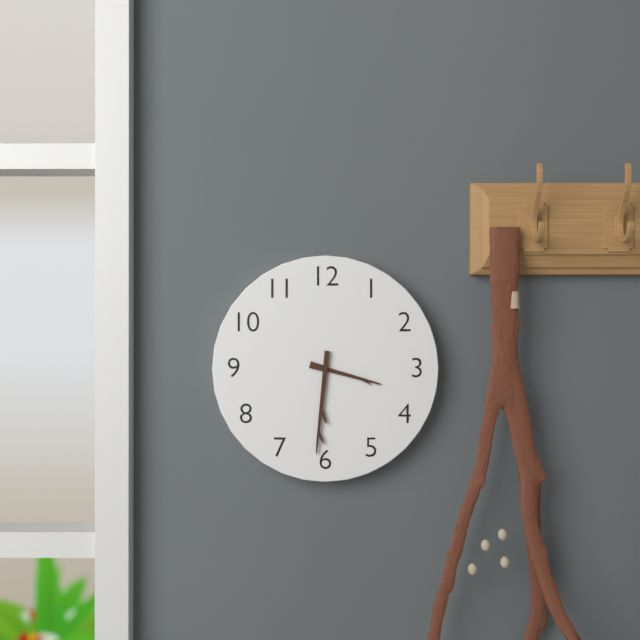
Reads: 3h31
